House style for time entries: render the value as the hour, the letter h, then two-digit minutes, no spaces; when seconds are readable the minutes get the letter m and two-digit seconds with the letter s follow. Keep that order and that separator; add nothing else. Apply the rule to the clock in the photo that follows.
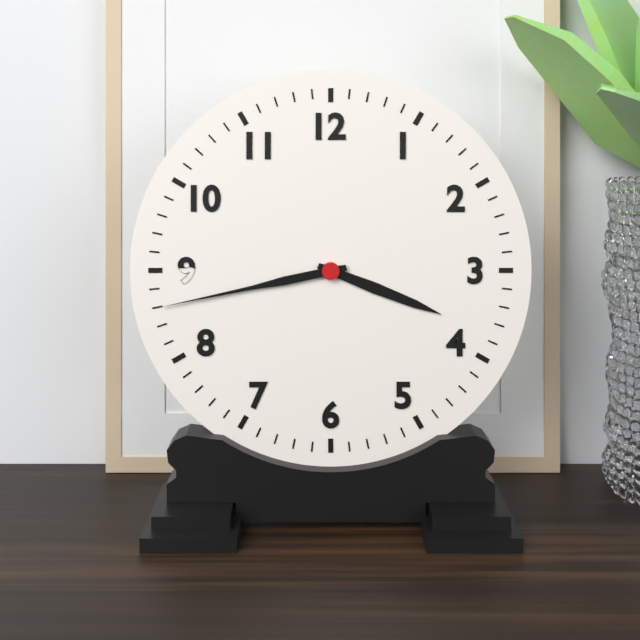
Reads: 3h43
